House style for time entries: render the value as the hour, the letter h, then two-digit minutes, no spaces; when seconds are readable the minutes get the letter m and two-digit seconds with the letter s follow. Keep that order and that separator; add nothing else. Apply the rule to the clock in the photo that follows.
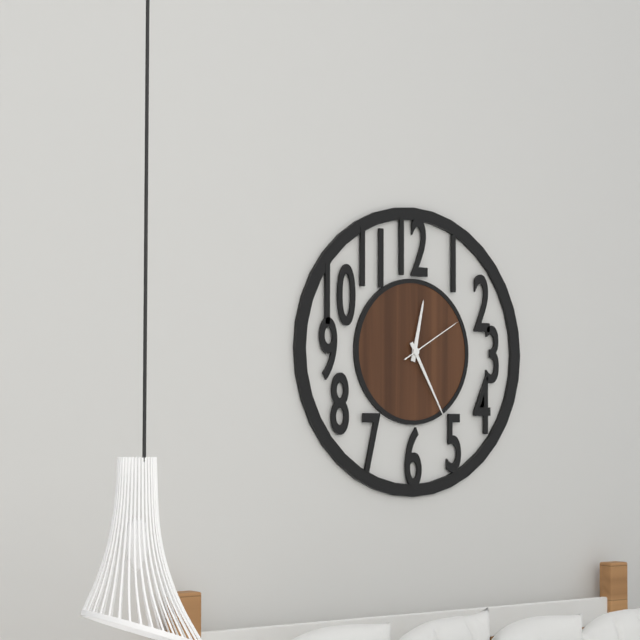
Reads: 12h25m10s
